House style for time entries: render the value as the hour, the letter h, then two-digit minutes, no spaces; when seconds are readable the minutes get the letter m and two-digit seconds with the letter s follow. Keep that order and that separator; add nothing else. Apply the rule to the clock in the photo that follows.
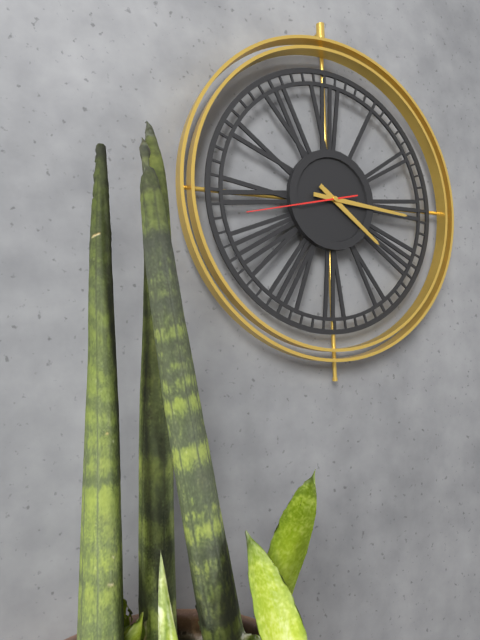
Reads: 4h16m43s
